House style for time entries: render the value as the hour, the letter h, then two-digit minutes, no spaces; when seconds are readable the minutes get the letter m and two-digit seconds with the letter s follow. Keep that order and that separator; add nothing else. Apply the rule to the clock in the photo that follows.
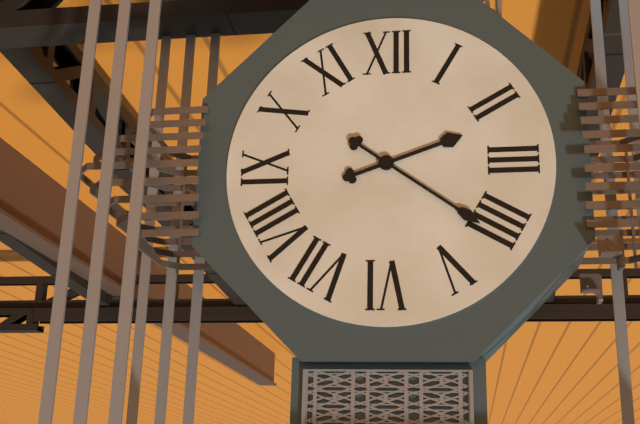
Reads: 2h21
